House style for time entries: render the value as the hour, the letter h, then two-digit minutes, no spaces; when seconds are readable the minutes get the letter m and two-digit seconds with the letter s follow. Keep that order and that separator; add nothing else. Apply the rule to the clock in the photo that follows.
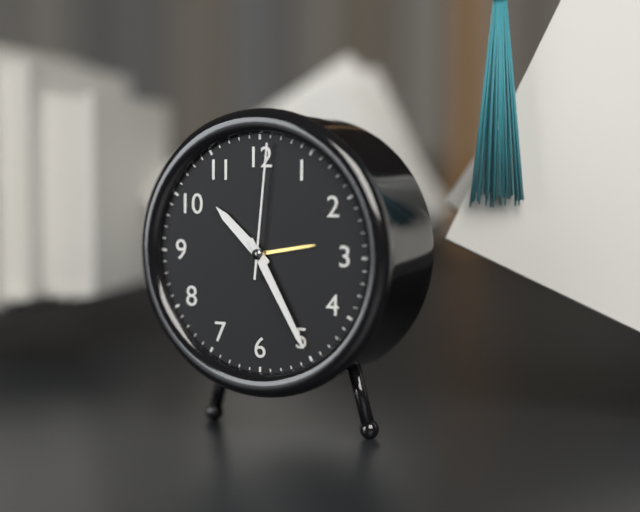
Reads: 10h25m01s
